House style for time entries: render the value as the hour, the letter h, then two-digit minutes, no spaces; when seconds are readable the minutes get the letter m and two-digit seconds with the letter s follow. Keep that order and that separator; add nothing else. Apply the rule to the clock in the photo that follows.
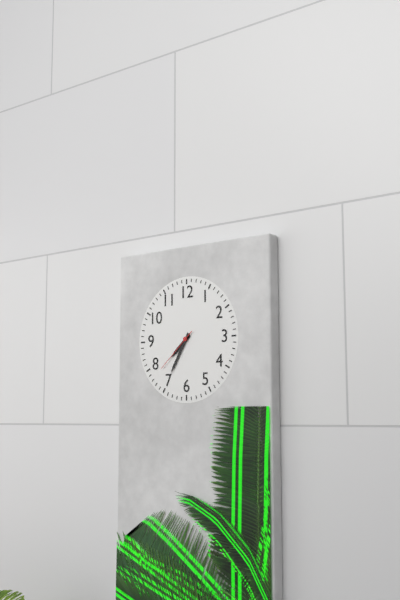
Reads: 7h35
